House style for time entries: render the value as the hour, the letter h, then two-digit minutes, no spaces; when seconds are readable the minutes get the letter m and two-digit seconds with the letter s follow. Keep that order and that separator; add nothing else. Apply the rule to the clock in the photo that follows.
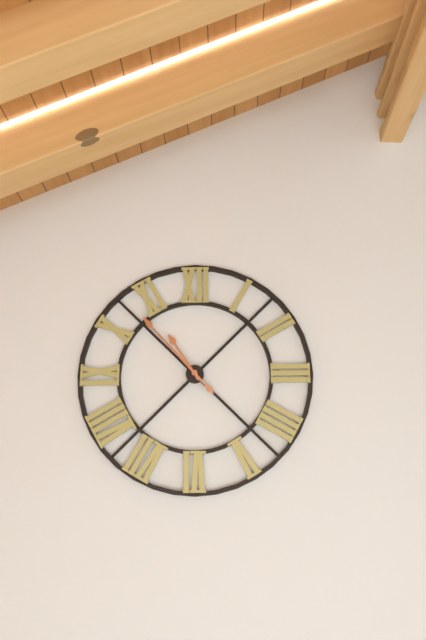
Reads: 10h53
